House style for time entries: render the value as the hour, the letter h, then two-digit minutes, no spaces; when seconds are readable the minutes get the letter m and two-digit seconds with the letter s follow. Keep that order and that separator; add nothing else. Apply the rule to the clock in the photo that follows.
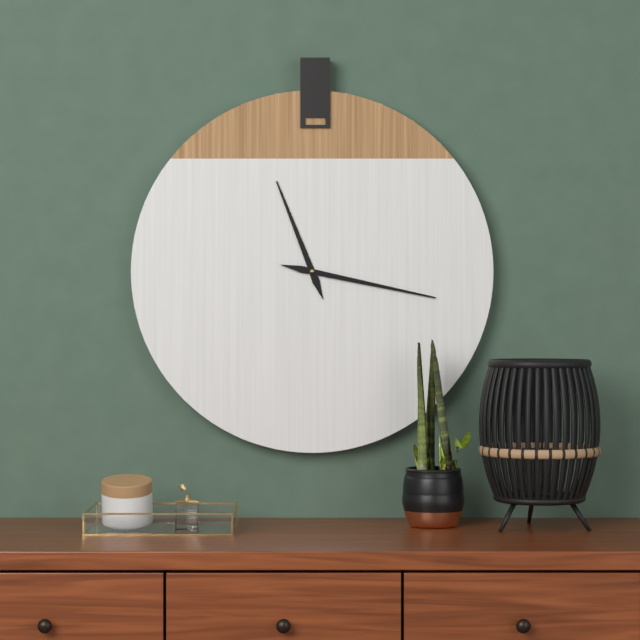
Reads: 11h17
